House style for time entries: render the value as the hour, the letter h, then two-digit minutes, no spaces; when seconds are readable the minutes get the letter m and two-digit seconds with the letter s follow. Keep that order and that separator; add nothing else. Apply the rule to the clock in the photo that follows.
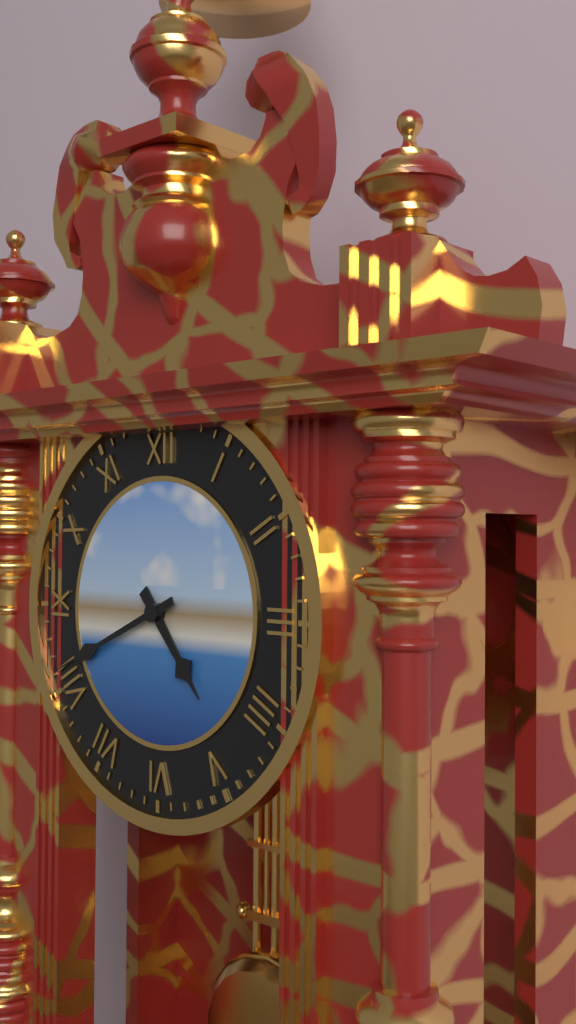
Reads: 4h41
